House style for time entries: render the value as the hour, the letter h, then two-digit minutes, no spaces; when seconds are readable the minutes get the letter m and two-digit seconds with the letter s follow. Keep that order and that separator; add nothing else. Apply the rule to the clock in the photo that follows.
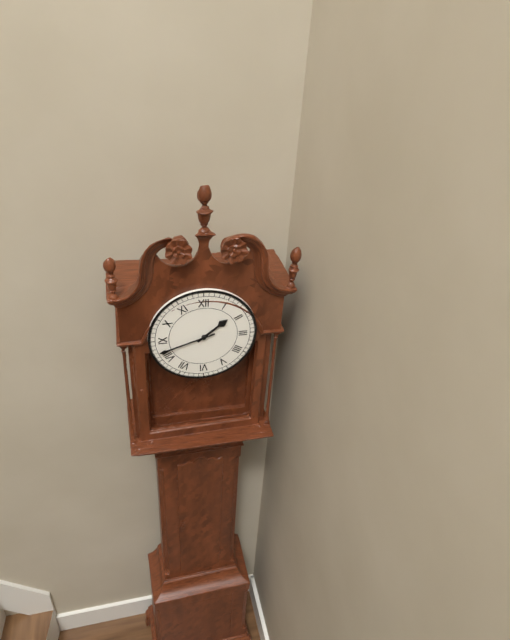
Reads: 1h42
